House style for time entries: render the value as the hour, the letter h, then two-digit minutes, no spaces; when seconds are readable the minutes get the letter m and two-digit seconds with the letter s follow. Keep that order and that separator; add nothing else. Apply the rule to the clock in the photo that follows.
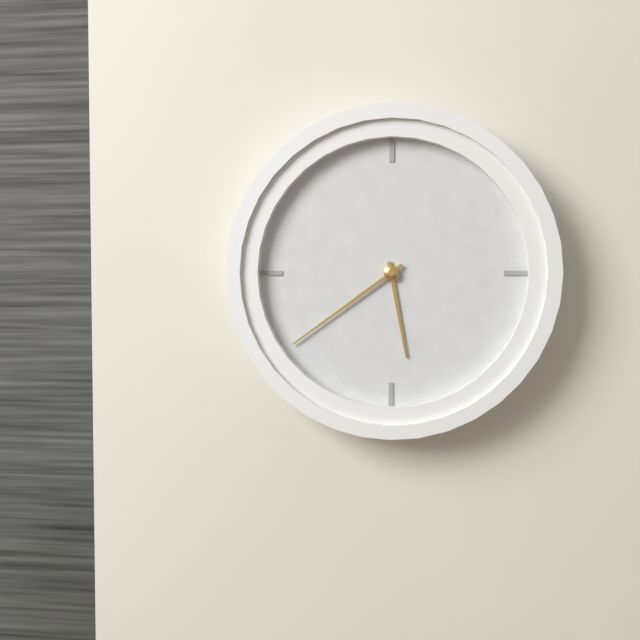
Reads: 5h39
